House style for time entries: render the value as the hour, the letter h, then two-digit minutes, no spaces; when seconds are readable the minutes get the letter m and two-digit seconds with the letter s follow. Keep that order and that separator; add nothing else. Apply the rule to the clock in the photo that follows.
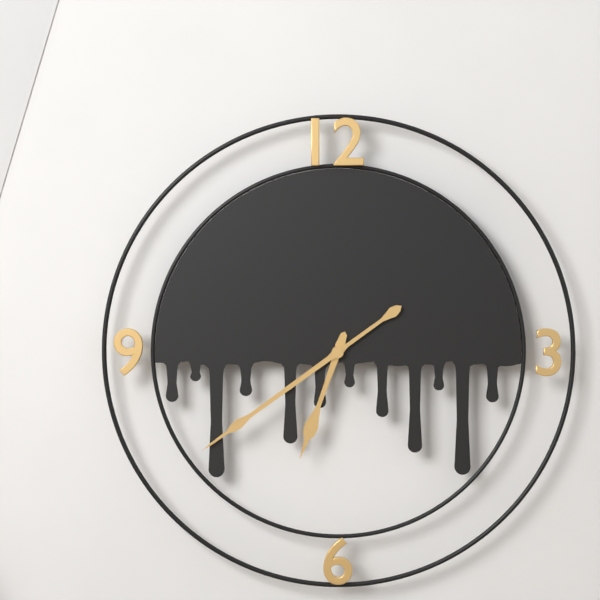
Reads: 6h39
